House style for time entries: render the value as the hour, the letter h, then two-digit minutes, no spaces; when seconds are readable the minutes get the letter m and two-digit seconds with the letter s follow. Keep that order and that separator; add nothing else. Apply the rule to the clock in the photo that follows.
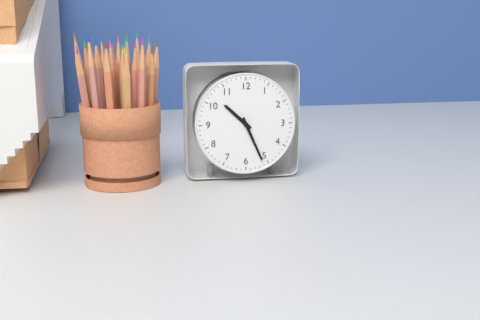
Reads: 10h26
